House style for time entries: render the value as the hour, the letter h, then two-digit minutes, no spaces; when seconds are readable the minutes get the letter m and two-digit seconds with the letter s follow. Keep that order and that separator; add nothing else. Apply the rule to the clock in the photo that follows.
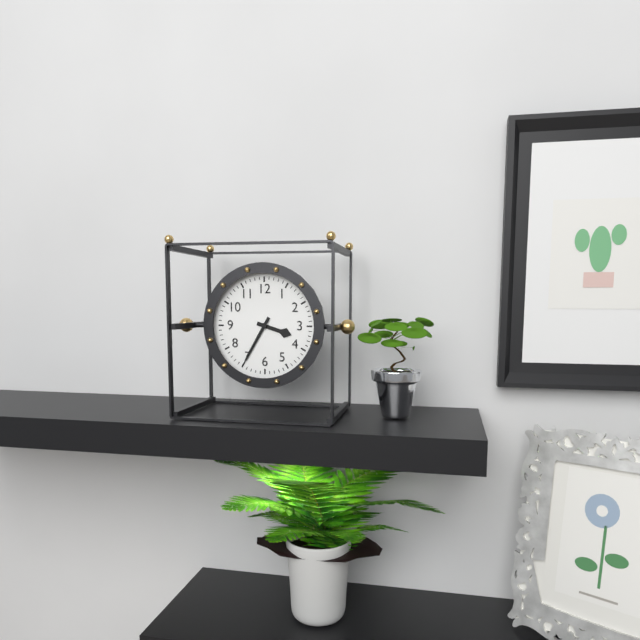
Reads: 3h35
